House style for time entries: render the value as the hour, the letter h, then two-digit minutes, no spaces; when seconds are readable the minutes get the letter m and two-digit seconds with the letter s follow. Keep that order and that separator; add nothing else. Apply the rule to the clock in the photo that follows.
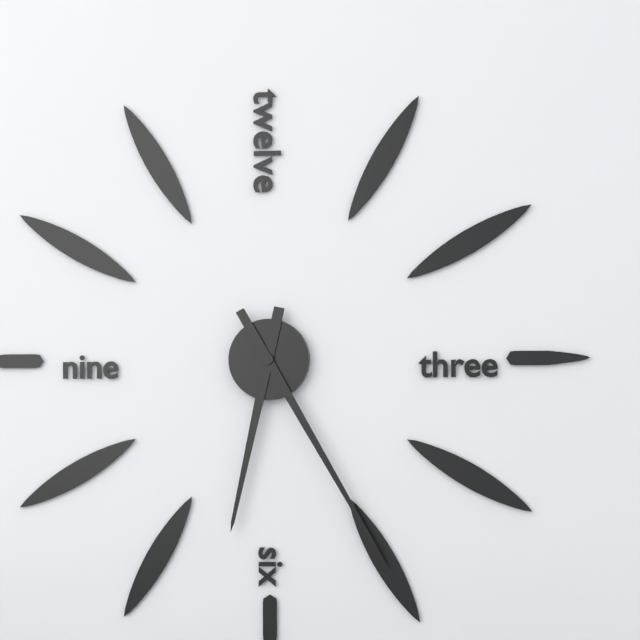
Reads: 6h25
